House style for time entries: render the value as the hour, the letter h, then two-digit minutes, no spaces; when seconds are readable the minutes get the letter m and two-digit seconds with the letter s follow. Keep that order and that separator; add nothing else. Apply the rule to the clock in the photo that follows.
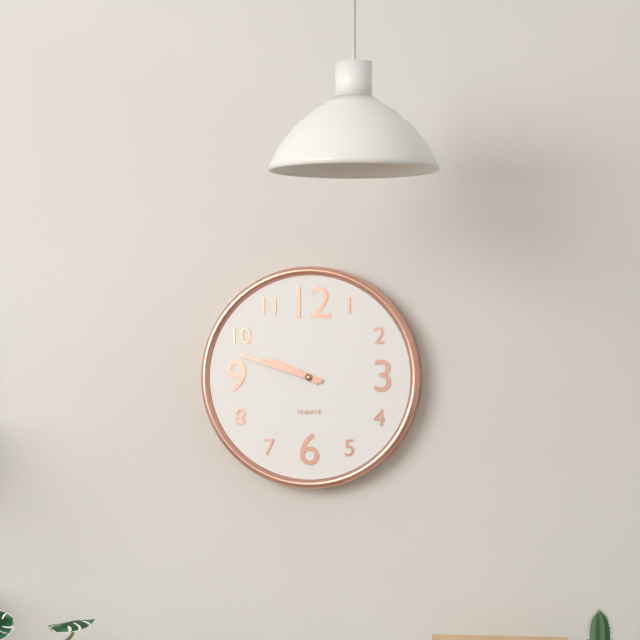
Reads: 9h48
